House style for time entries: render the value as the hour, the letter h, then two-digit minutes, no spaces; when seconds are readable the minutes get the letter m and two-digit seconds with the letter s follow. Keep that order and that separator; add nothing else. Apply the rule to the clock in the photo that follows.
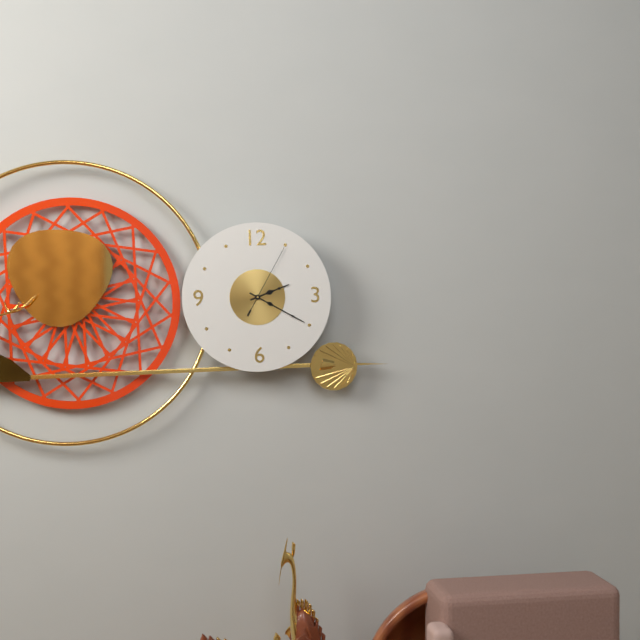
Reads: 2h20m05s
